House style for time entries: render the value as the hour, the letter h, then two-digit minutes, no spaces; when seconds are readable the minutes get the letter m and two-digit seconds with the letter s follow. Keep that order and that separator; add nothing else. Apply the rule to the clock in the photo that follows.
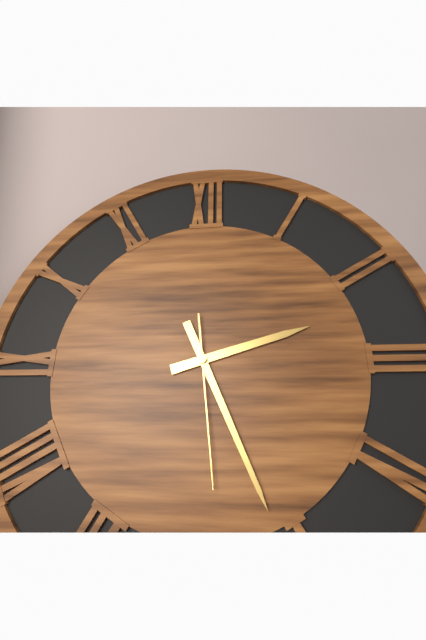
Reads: 2h26m29s
